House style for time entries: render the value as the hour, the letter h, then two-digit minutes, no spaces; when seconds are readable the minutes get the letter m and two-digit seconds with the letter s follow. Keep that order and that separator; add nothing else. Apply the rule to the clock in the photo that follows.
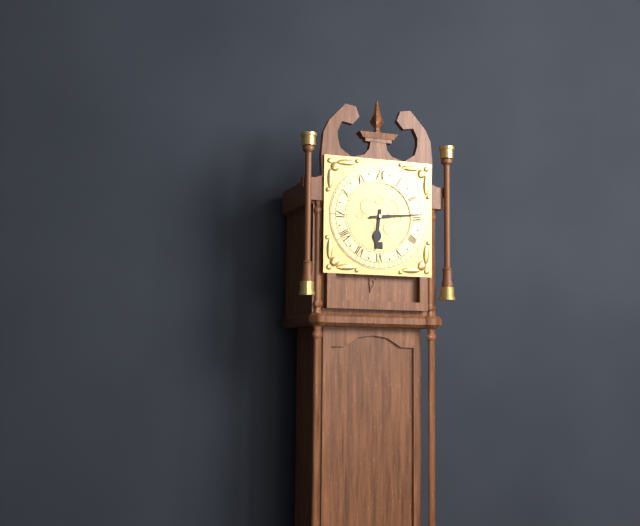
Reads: 6h14
